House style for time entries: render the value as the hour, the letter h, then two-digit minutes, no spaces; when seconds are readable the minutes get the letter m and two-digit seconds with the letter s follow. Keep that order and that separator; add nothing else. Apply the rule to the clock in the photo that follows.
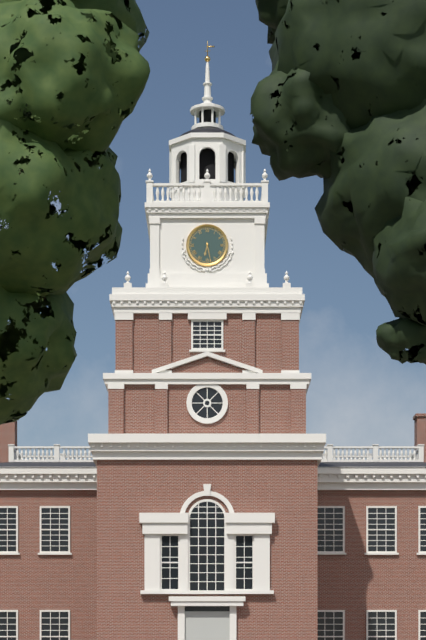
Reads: 6h28
